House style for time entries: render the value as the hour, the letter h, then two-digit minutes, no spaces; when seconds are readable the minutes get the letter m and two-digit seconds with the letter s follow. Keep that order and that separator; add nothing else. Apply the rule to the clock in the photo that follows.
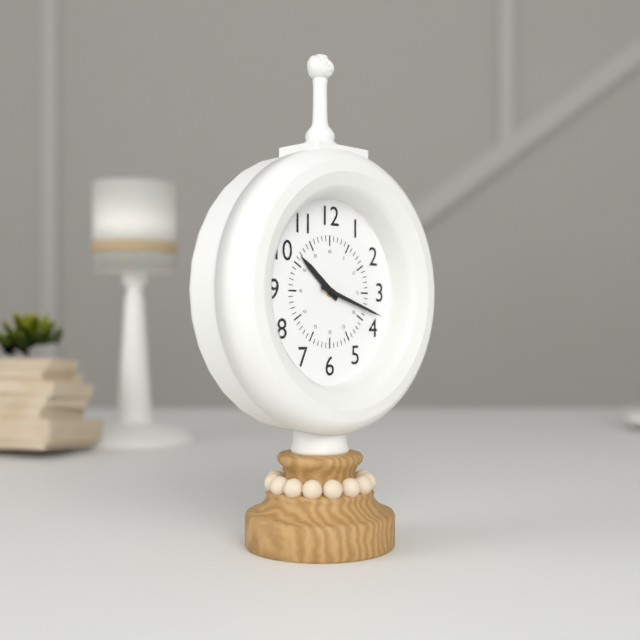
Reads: 10h18
